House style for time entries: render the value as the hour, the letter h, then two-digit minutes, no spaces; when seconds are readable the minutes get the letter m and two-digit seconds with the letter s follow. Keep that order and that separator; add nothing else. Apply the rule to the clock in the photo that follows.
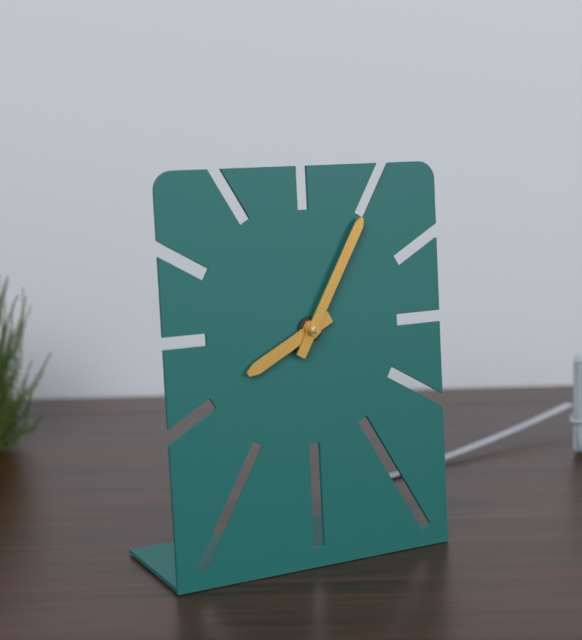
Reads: 8h05
